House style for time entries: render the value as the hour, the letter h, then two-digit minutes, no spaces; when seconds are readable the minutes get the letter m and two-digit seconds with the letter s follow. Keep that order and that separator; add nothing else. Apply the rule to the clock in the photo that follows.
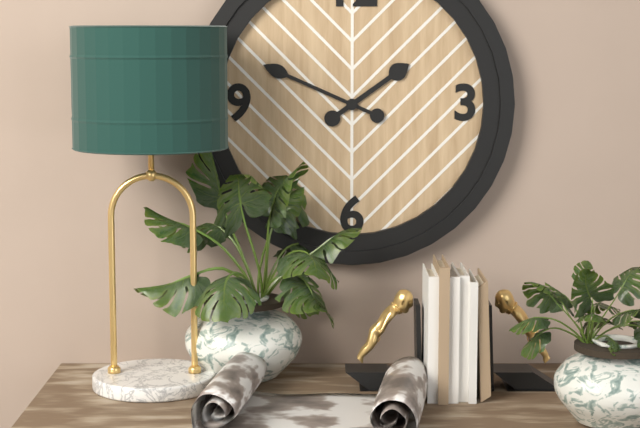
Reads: 1h49
